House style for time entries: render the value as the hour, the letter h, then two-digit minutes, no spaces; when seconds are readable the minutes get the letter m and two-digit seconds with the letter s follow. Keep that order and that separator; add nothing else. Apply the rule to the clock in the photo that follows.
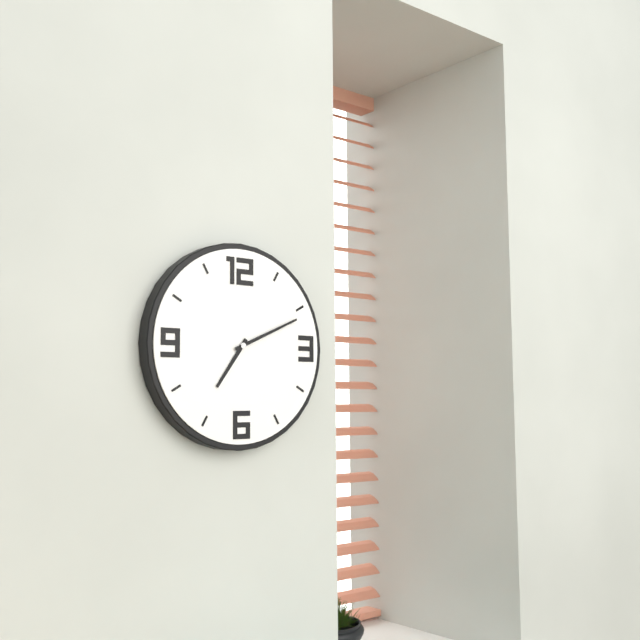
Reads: 7h11
